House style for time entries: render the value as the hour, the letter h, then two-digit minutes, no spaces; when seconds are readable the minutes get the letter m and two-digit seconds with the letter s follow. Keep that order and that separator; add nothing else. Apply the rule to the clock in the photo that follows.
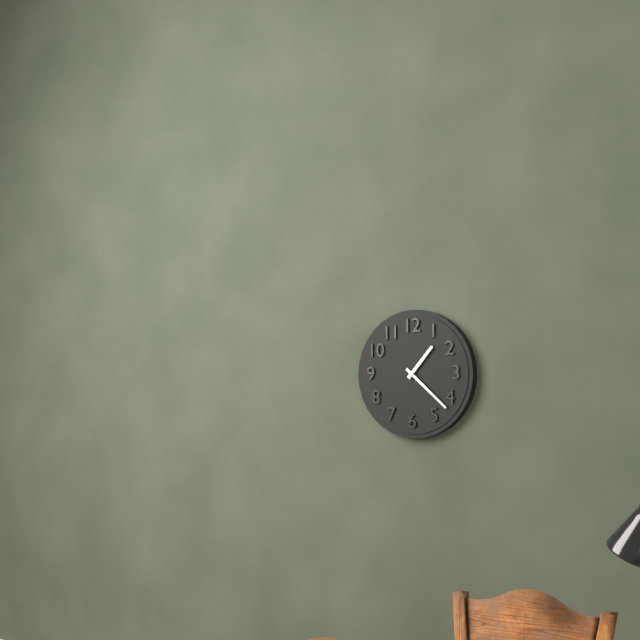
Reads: 1h22
